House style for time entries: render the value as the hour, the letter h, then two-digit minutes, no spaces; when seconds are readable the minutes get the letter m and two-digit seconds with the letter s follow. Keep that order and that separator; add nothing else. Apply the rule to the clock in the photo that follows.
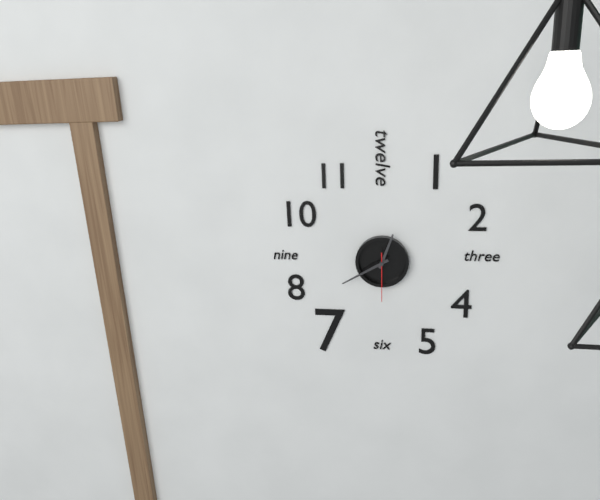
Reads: 12h40
